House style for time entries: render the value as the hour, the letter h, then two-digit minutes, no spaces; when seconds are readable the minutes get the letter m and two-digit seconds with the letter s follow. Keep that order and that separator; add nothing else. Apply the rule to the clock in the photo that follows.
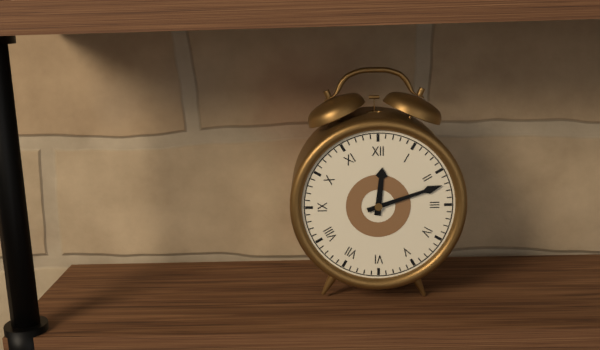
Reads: 12h12
